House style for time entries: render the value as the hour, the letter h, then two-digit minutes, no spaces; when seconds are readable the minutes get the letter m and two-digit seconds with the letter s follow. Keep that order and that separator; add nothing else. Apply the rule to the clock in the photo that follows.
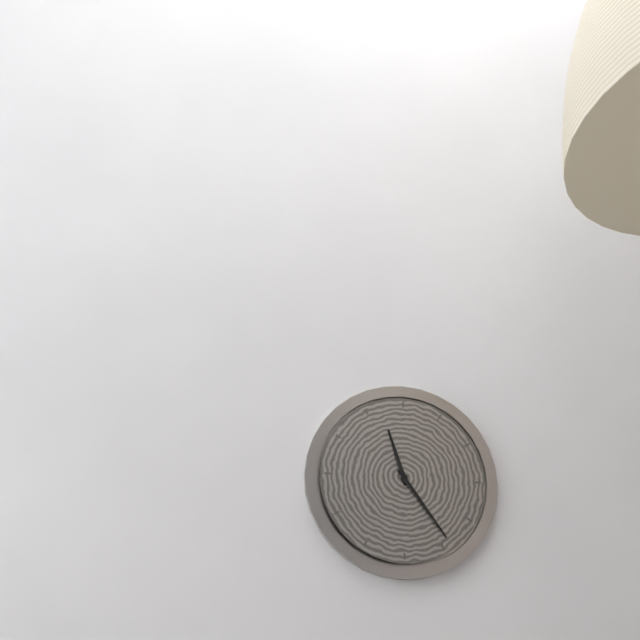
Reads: 11h24
